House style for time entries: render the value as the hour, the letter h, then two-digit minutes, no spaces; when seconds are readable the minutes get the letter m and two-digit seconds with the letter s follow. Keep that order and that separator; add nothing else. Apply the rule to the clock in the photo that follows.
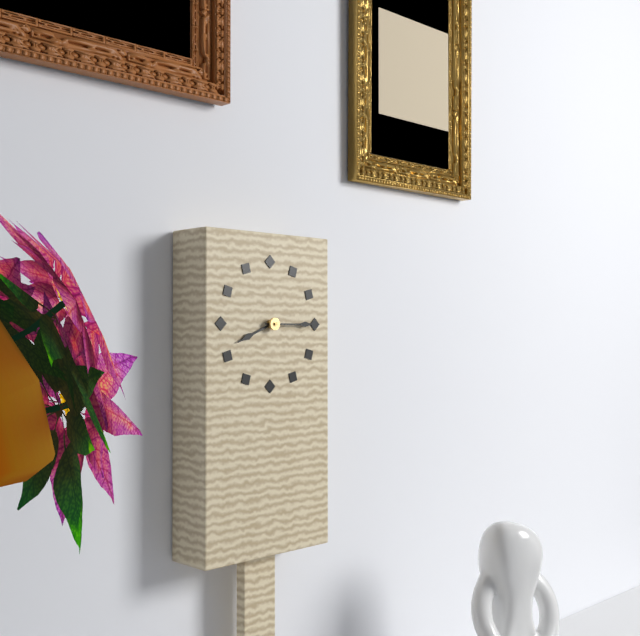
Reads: 8h15
